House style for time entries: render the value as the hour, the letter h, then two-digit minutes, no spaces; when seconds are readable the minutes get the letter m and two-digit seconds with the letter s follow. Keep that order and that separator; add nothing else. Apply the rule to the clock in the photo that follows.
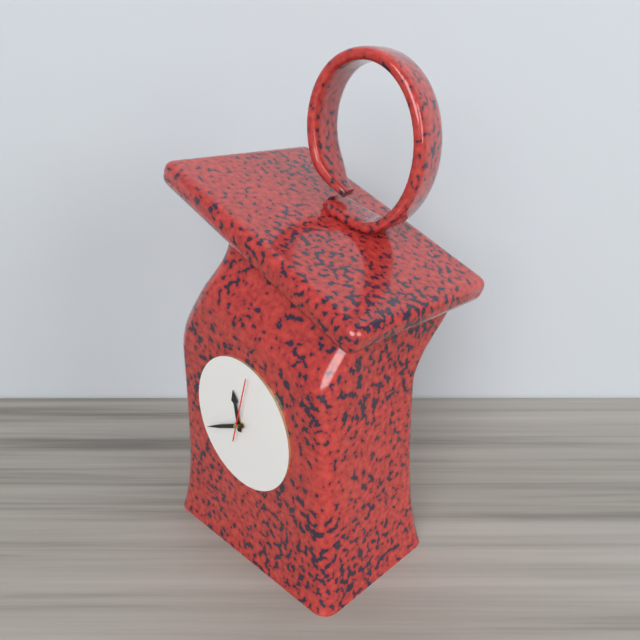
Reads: 11h41m03s
